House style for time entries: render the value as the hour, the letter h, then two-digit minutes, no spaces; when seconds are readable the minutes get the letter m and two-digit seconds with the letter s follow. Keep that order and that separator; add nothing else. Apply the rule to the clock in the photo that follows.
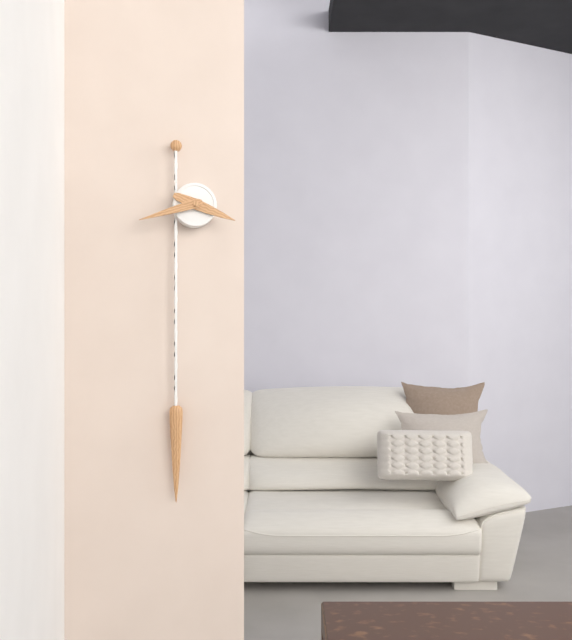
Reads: 3h42
